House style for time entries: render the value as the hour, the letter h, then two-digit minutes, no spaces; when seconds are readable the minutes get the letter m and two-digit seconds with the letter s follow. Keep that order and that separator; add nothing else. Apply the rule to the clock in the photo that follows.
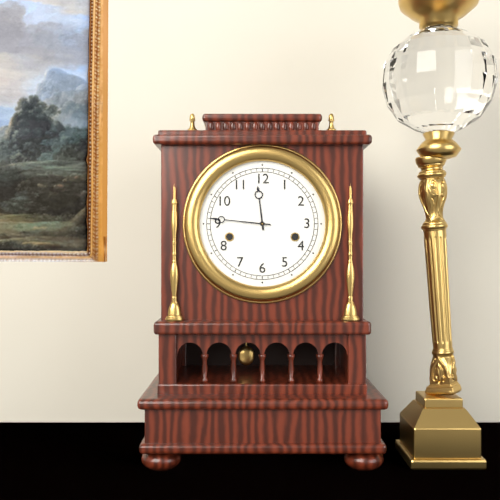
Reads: 11h46
